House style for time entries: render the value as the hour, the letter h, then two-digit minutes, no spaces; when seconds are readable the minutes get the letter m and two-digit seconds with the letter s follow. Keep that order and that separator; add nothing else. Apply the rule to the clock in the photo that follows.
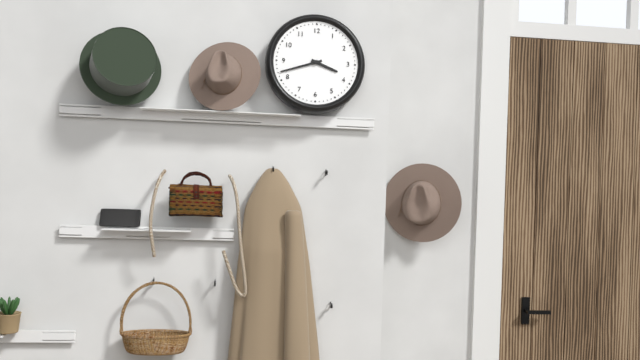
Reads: 3h42
